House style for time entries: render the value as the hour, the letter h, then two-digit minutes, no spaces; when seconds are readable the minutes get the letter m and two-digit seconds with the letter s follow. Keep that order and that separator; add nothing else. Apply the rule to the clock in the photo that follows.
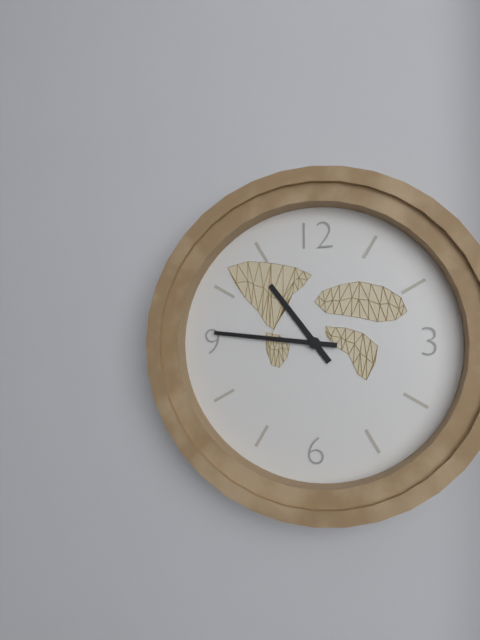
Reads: 10h46
